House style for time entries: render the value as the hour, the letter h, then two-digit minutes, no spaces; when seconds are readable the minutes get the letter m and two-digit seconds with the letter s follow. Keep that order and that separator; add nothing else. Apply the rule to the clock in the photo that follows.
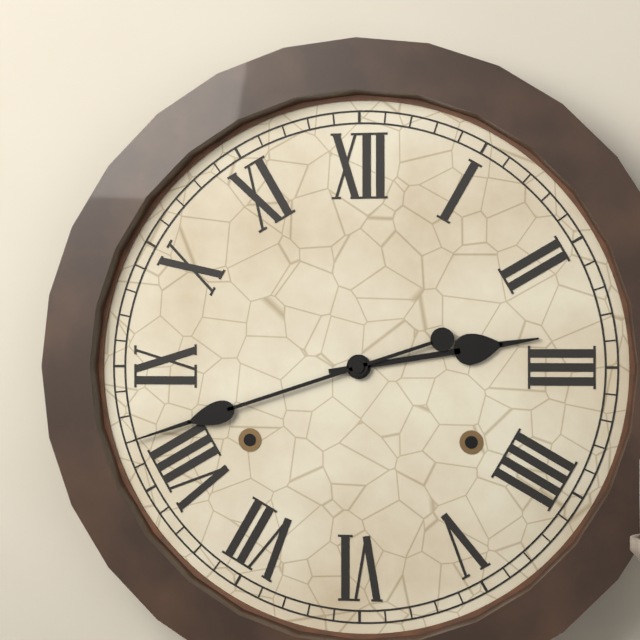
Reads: 2h42
